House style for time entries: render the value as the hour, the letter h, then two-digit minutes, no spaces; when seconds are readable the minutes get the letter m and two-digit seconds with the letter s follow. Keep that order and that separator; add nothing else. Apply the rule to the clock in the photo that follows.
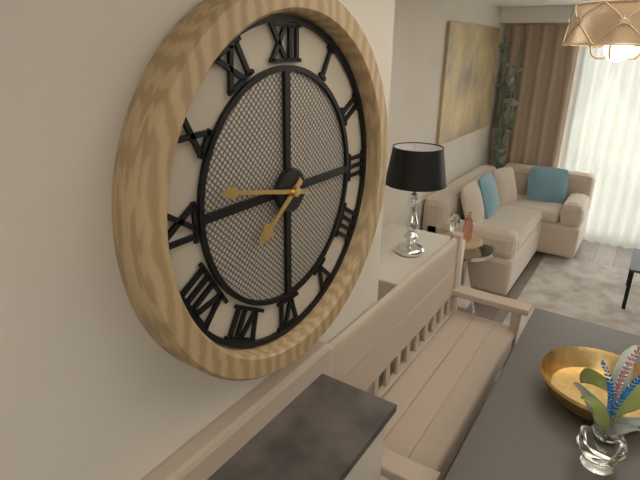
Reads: 7h47
